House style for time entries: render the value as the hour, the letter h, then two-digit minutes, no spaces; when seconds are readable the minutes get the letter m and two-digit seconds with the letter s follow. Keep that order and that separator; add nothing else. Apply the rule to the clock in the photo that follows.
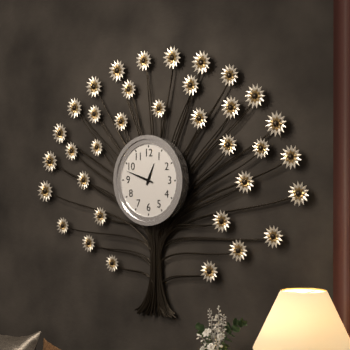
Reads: 12h48
